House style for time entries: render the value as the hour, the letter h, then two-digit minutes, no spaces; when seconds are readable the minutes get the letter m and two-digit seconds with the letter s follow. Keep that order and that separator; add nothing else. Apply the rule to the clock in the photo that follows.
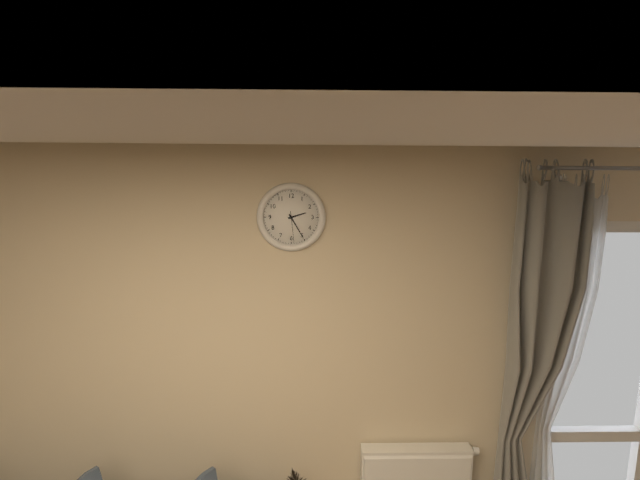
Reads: 2h25
